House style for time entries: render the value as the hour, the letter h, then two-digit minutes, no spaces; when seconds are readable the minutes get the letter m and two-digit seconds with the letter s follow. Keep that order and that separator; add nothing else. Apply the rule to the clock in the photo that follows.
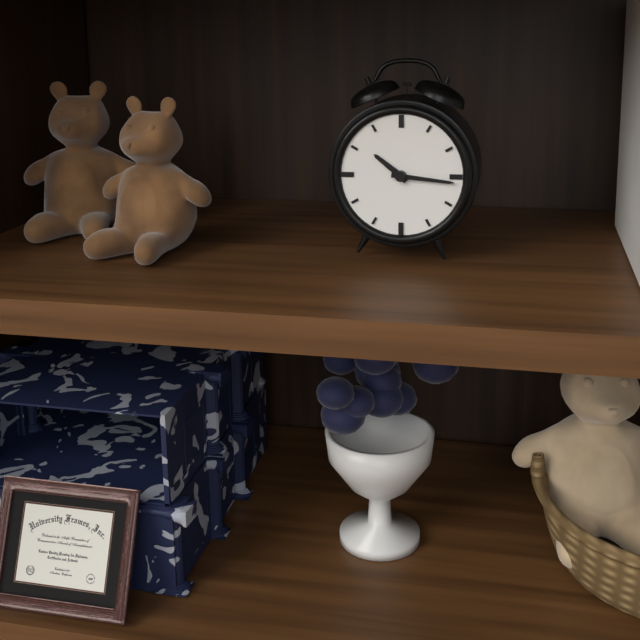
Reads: 10h16
